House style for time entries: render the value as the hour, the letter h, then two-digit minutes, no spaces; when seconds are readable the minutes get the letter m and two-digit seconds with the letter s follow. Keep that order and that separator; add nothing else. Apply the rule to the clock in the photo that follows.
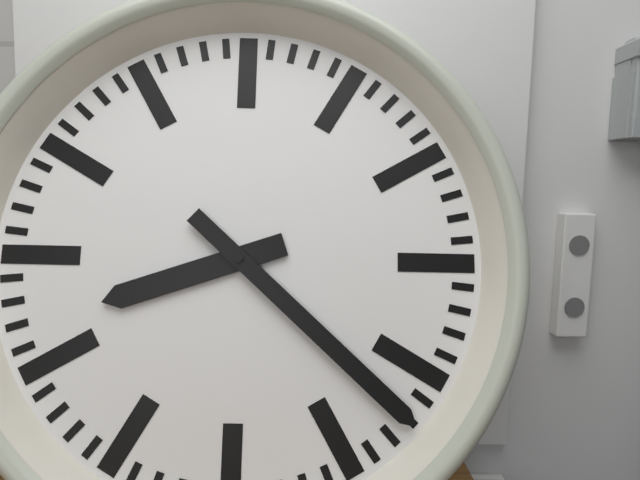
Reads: 8h22
